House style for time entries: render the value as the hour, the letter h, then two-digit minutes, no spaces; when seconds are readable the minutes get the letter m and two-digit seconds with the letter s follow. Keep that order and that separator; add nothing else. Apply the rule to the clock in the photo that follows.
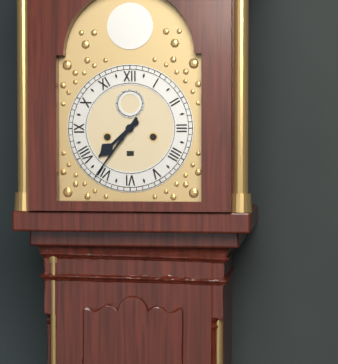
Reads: 7h36
